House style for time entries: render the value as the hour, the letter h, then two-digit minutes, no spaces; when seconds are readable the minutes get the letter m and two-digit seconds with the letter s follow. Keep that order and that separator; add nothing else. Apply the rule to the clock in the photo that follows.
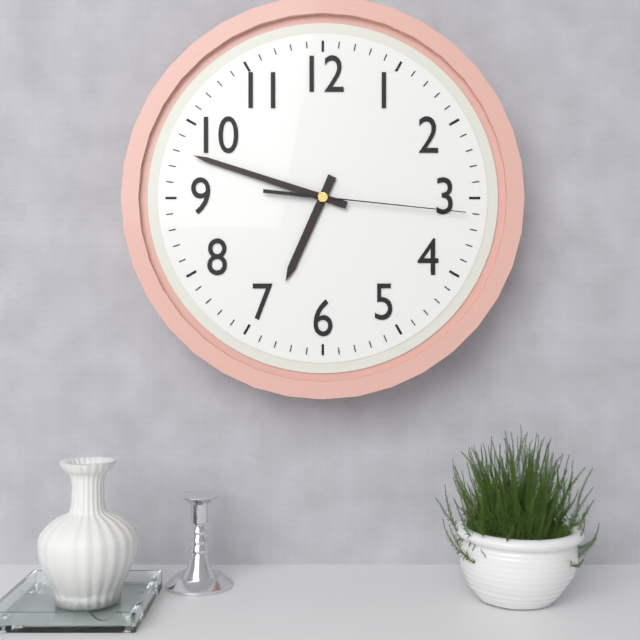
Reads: 6h48m16s
